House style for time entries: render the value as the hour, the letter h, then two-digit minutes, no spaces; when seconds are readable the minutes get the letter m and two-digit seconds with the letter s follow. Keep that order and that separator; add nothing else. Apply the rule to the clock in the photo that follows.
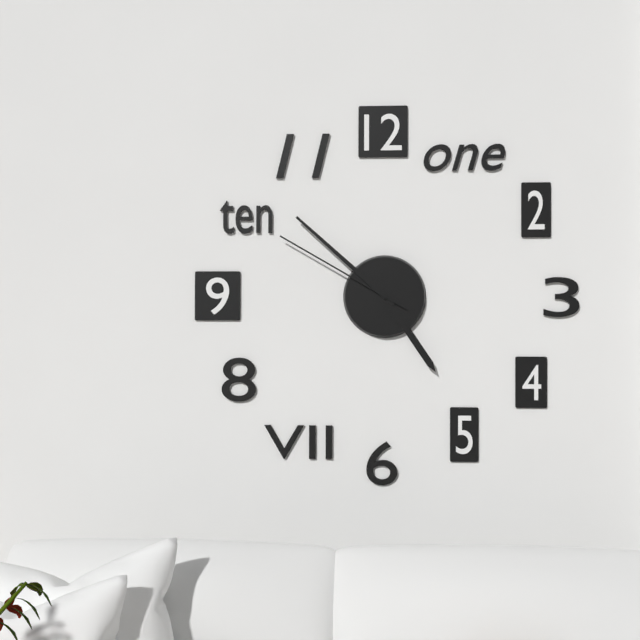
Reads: 4h52m50s
